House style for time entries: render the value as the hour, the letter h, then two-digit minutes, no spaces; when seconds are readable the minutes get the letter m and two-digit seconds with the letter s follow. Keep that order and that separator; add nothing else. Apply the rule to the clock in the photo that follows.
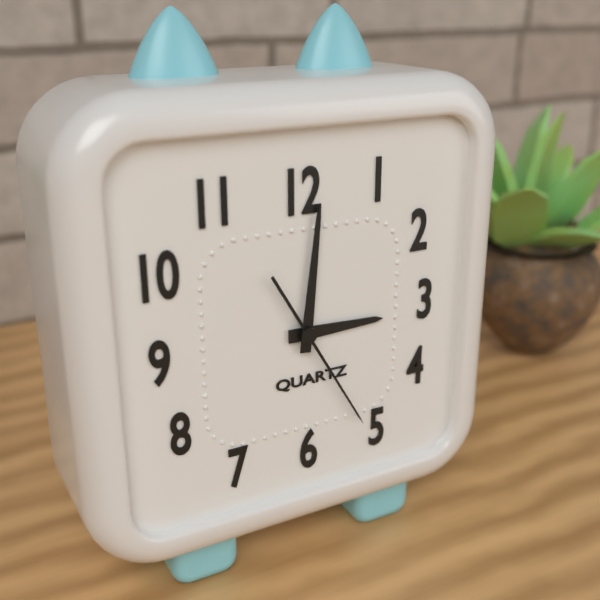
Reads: 3h01m25s
